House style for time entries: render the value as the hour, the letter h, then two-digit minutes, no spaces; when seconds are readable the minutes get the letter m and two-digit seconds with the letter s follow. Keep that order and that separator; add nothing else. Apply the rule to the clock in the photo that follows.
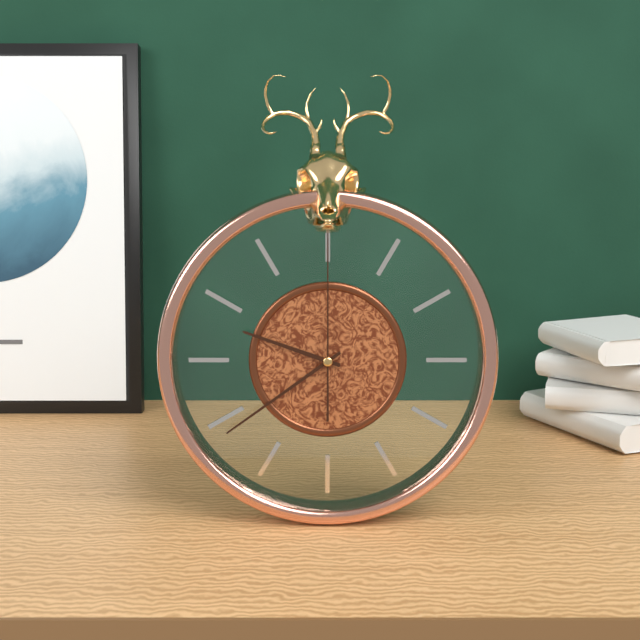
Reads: 9h39m00s
